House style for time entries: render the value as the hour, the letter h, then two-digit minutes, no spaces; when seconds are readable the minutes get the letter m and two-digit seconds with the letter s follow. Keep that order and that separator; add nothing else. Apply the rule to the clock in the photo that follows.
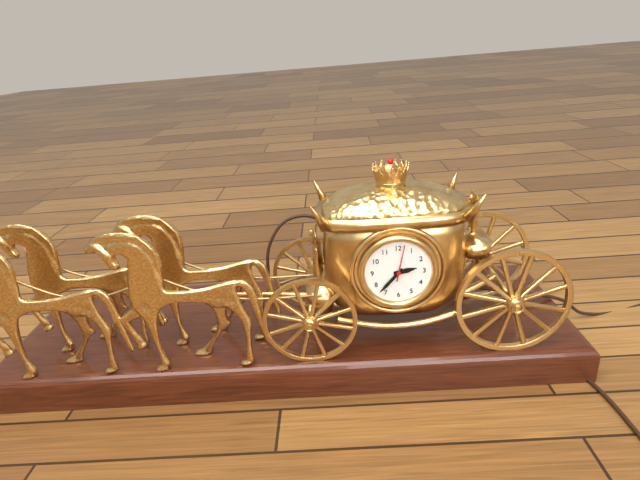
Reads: 2h37
